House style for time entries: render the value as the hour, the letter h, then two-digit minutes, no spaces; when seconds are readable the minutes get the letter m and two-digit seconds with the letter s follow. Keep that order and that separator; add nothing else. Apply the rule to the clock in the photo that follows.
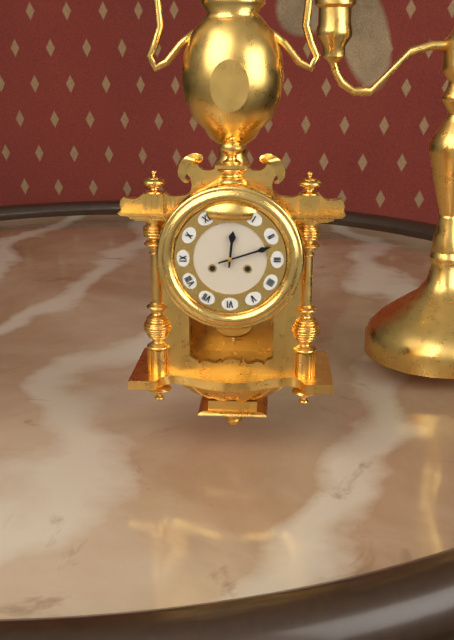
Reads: 12h12
